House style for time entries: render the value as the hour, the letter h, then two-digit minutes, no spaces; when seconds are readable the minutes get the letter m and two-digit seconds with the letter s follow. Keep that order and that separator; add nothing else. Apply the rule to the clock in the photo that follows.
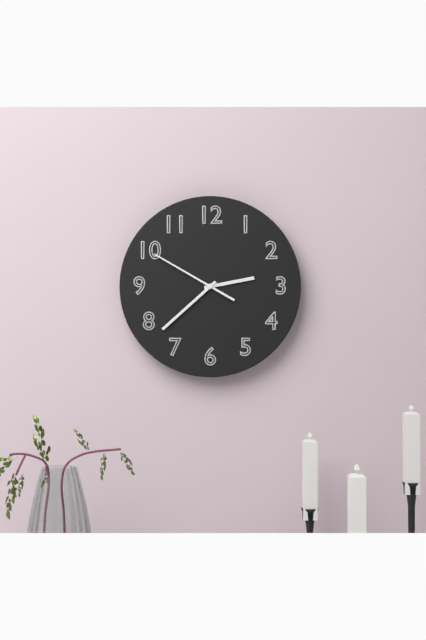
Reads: 2h38m50s
